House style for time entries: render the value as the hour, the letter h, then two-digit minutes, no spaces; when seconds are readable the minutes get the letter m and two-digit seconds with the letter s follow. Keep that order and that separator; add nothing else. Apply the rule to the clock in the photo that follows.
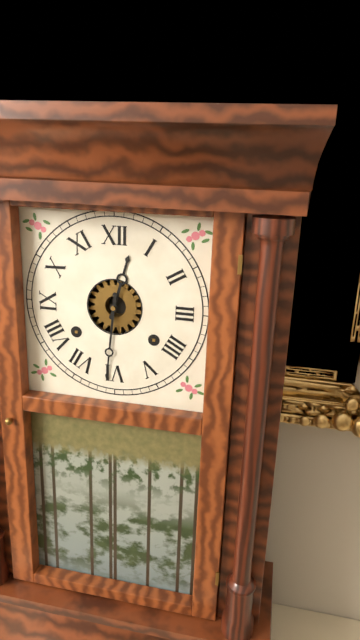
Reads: 12h31
